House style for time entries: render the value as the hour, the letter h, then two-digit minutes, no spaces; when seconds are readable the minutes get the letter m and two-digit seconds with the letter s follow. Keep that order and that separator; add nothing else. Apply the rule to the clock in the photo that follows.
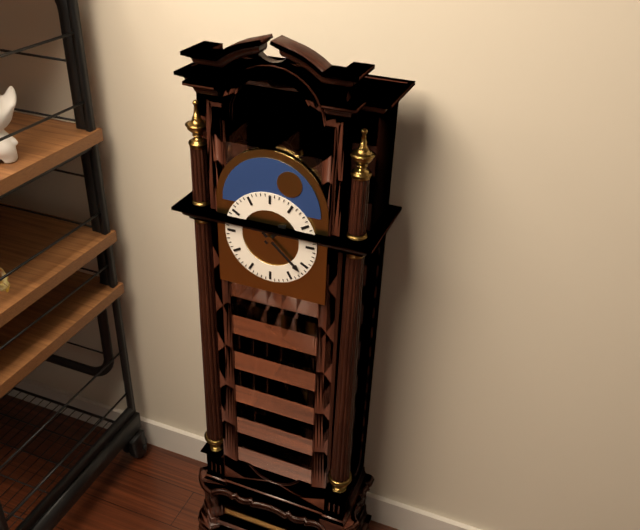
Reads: 1h22
